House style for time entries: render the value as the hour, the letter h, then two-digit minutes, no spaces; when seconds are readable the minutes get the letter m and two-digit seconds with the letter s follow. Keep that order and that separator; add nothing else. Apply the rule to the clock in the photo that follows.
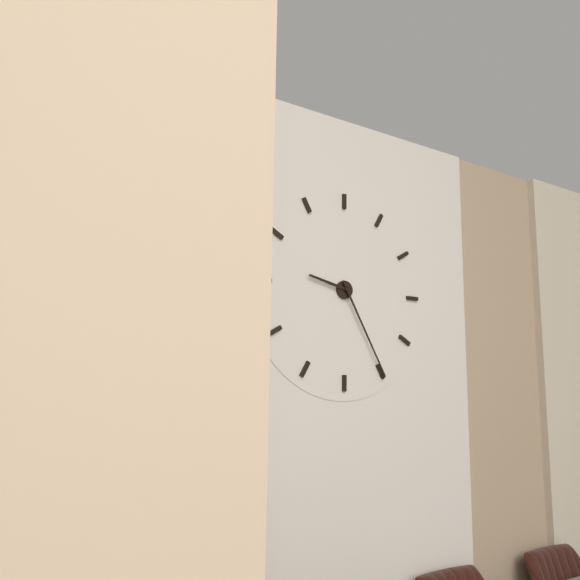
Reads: 9h25
